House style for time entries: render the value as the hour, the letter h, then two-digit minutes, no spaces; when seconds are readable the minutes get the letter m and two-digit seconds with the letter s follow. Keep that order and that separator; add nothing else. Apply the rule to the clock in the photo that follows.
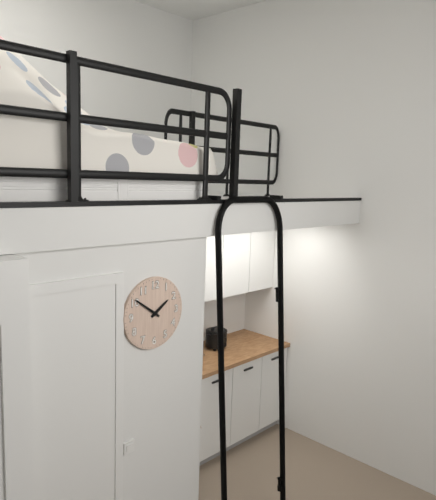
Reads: 1h51
